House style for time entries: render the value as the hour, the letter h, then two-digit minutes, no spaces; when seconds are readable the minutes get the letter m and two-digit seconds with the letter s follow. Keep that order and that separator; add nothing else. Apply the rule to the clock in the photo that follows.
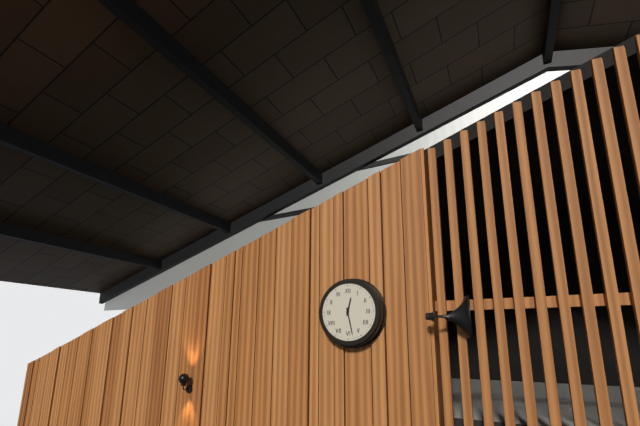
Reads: 12h28
